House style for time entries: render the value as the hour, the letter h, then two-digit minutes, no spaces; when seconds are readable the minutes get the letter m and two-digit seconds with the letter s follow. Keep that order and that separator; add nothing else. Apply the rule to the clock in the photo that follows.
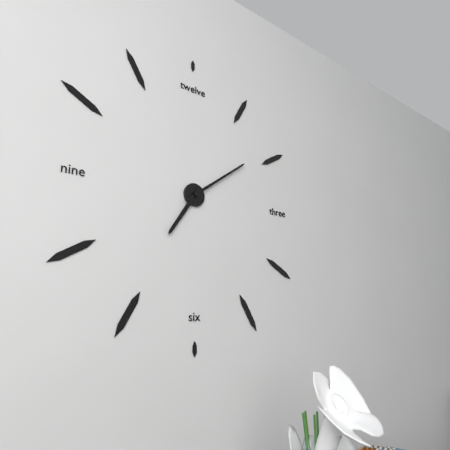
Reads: 7h09
